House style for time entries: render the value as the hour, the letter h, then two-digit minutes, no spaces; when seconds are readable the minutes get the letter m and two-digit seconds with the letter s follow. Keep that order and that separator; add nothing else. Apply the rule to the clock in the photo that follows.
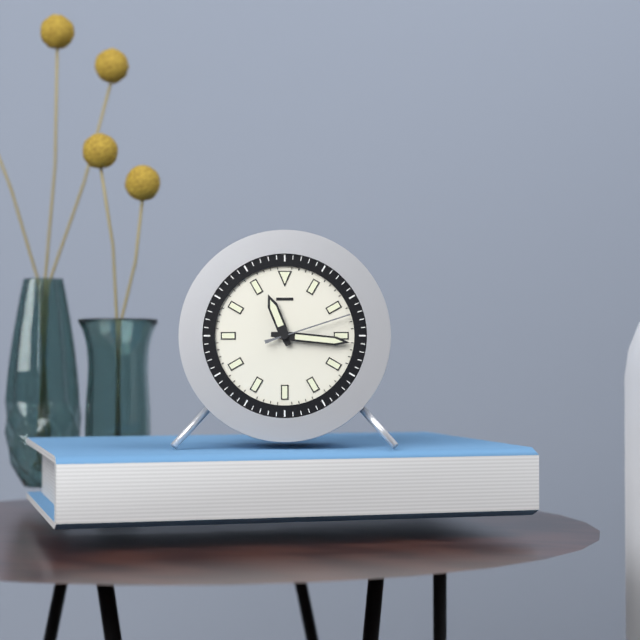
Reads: 11h16m12s
